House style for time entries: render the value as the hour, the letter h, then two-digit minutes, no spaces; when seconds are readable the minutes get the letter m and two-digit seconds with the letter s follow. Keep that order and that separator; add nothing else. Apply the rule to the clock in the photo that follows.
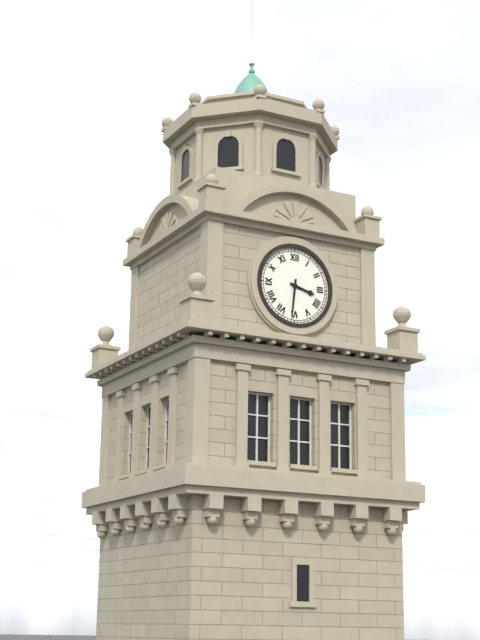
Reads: 3h31
